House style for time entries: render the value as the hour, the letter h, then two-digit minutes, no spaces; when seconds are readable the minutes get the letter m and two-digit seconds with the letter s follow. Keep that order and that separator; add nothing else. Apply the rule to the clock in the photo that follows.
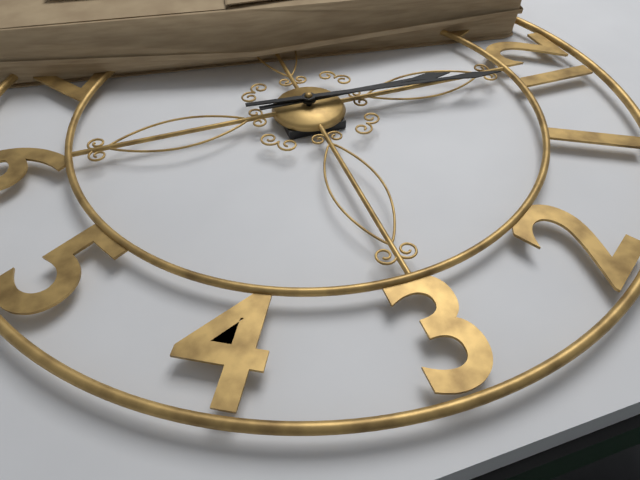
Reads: 12h01
